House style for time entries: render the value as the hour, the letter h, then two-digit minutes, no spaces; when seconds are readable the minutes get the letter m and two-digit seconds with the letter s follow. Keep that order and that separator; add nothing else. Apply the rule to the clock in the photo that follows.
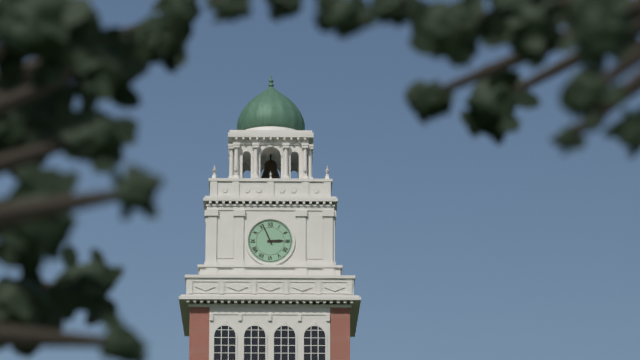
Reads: 2h56
